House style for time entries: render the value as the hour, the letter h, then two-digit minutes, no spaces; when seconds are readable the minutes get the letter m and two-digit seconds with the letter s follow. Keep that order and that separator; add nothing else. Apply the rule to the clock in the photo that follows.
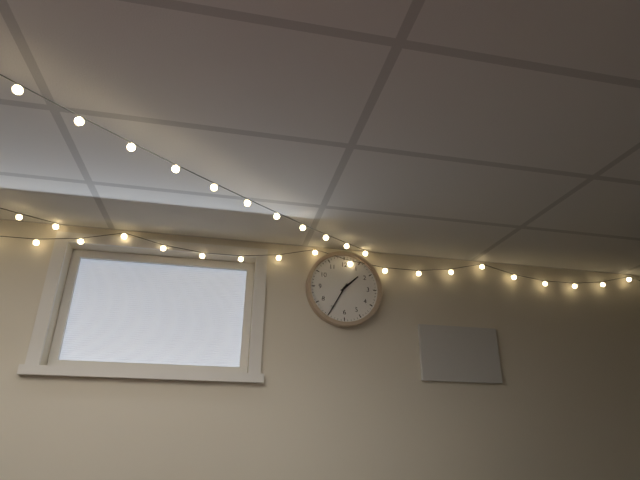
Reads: 1h35
